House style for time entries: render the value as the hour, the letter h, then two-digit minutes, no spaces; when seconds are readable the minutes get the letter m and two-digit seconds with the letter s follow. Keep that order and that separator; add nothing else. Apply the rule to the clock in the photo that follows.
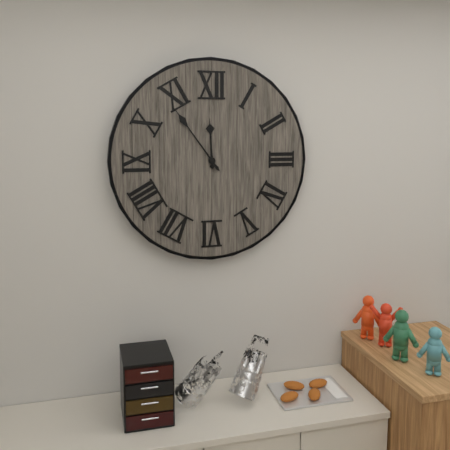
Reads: 11h54
